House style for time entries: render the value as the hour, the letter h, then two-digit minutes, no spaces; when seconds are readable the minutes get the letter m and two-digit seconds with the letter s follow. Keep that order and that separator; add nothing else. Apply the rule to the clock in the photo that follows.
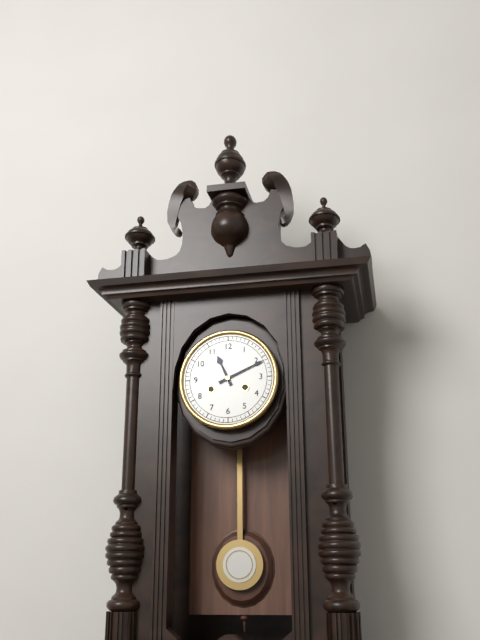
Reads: 11h11
